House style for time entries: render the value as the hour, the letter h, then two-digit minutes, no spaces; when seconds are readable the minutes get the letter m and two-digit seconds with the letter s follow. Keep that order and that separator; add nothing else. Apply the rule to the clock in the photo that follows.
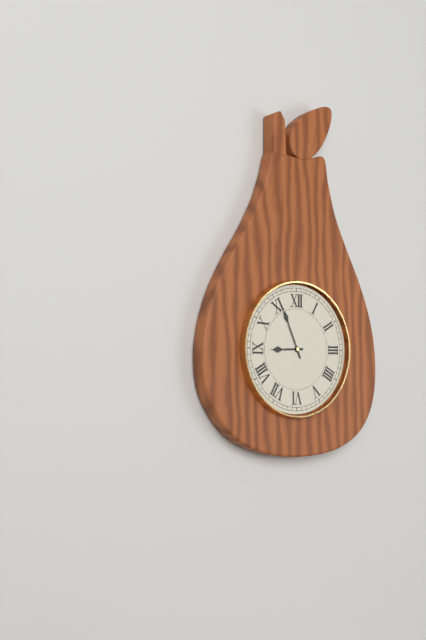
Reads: 8h56
